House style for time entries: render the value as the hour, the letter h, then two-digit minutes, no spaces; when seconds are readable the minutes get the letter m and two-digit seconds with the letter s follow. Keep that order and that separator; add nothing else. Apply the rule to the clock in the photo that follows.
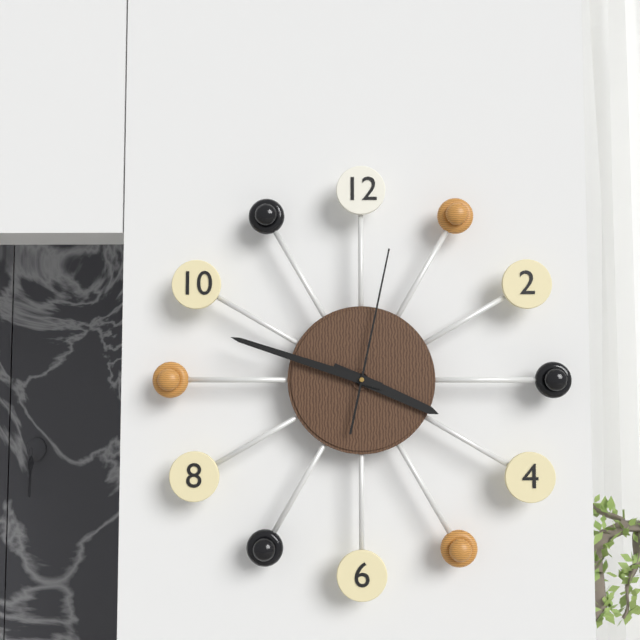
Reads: 3h48m02s
